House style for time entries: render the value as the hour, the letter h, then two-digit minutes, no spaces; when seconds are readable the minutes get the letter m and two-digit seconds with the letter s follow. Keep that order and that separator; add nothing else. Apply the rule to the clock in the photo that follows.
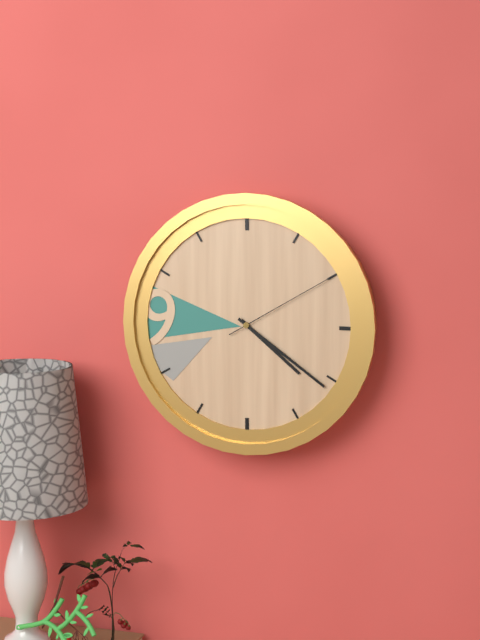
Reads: 4h21m10s
